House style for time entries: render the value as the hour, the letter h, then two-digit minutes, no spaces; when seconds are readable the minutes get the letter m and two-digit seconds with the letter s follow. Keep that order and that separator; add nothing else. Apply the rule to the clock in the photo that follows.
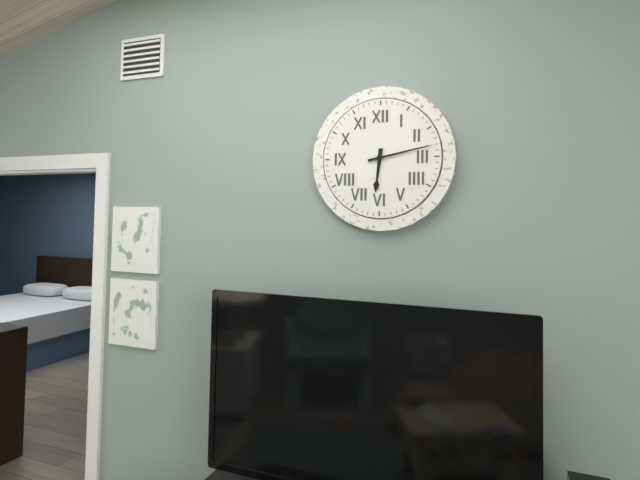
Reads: 6h13
